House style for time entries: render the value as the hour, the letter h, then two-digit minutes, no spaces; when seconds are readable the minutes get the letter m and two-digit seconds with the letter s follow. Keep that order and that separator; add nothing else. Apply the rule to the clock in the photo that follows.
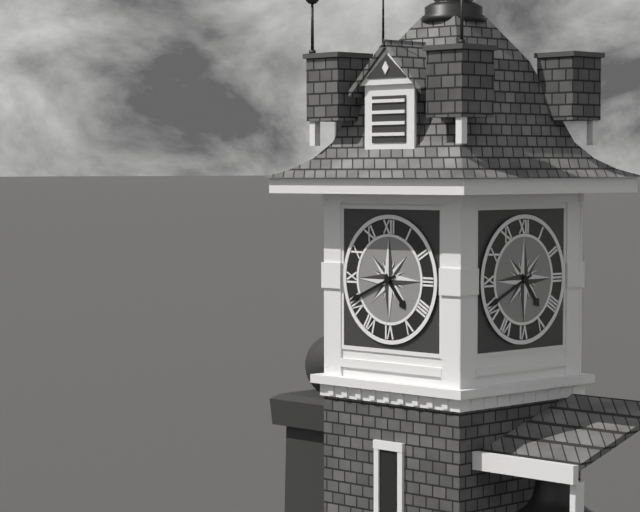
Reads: 4h41
